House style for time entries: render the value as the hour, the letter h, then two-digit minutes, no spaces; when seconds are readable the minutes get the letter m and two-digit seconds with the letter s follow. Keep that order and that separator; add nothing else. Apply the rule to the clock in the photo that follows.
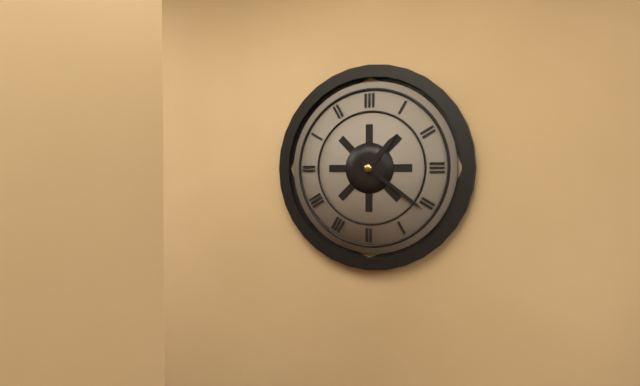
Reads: 1h21
